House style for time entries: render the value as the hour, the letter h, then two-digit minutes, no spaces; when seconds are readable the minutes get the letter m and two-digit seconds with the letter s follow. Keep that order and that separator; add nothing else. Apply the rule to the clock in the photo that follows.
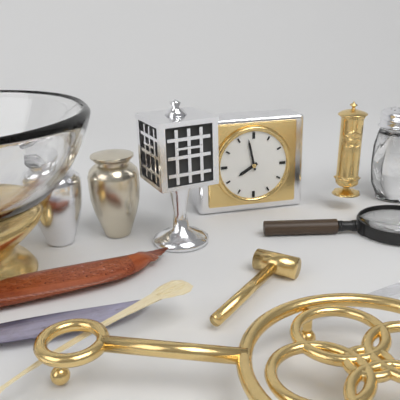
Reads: 7h58
